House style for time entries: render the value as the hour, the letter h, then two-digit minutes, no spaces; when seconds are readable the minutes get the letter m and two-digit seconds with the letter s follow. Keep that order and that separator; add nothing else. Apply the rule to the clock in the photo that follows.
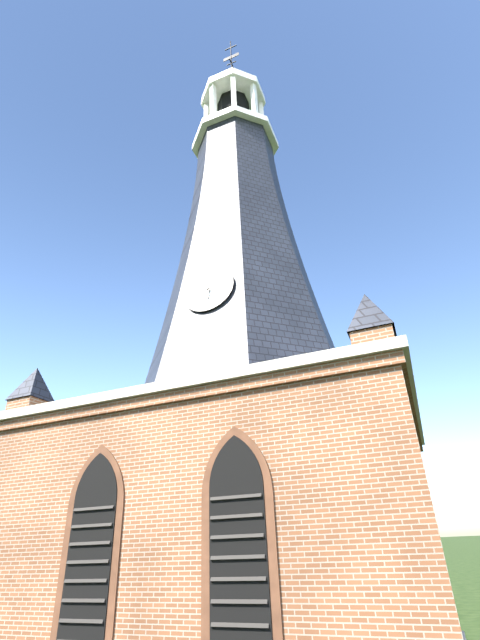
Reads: 5h53
